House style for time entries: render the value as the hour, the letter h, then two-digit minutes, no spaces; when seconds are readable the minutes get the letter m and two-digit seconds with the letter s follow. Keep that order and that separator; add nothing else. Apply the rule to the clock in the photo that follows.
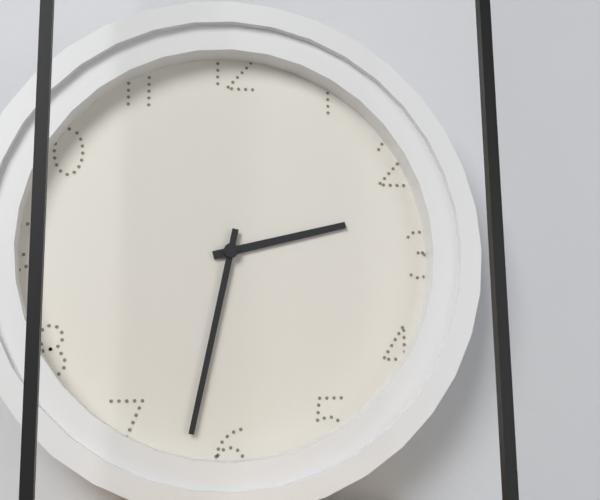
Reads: 2h32
